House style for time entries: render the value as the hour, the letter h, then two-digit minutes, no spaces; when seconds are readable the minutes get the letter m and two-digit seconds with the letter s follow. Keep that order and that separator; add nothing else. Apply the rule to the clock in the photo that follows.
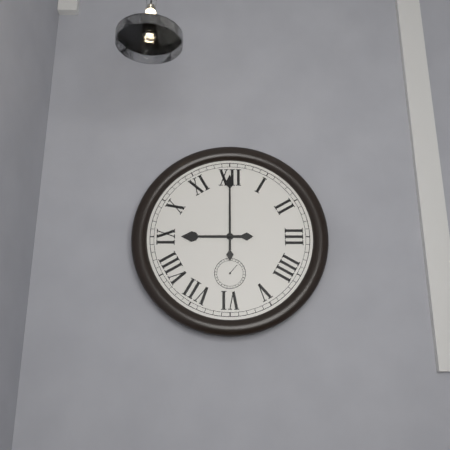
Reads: 9h00
